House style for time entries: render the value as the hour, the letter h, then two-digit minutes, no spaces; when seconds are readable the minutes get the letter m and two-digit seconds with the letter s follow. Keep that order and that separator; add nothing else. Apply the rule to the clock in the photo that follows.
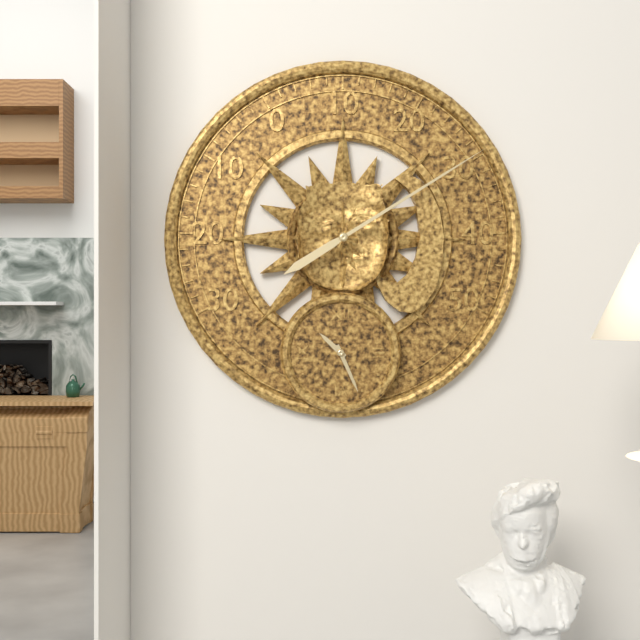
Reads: 10h26
